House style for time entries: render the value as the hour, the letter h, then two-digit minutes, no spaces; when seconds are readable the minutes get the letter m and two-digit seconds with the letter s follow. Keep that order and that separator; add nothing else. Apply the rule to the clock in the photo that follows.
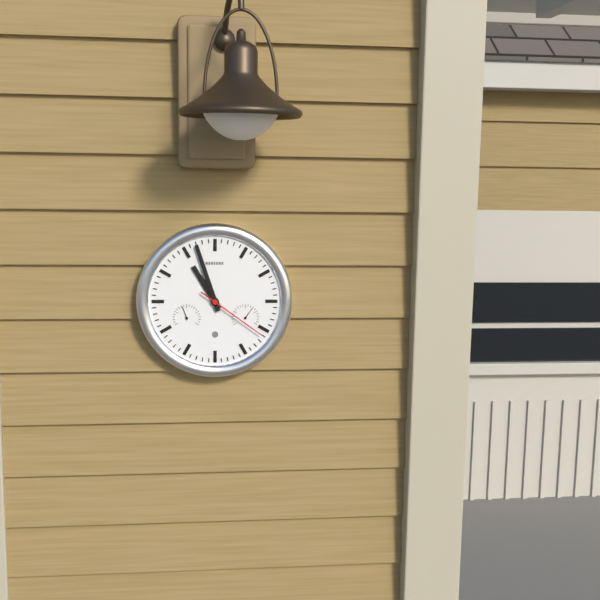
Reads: 10h57m21s
